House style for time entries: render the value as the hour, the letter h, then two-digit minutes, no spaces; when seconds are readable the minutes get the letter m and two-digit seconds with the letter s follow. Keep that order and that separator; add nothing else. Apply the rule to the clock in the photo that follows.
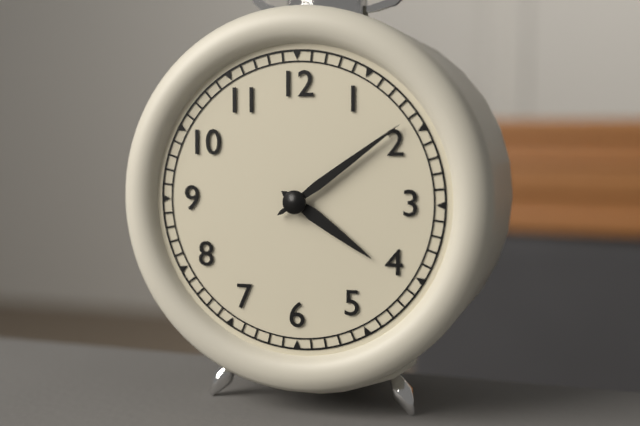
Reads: 4h09
